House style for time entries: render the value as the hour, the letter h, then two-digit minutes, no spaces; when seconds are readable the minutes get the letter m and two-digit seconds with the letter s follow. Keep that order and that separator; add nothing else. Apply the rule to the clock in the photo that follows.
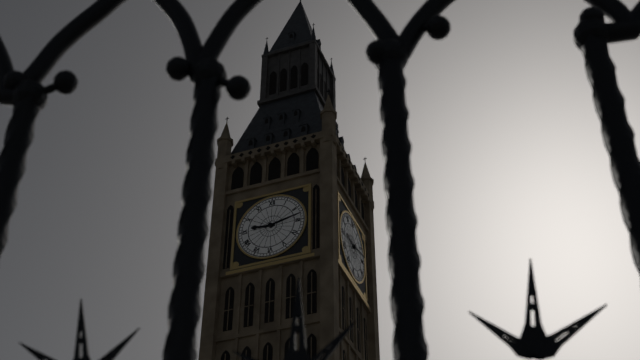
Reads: 9h13
